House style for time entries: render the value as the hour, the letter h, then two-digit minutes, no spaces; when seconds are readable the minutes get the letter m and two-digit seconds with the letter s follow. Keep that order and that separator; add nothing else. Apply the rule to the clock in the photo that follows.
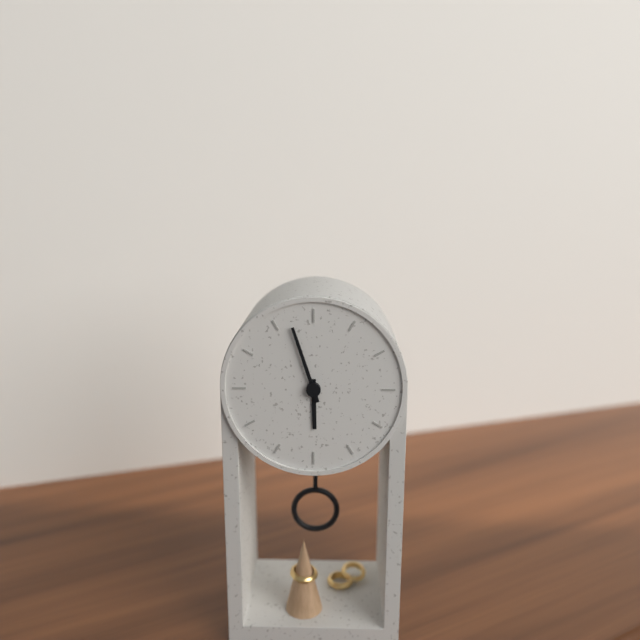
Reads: 5h57
